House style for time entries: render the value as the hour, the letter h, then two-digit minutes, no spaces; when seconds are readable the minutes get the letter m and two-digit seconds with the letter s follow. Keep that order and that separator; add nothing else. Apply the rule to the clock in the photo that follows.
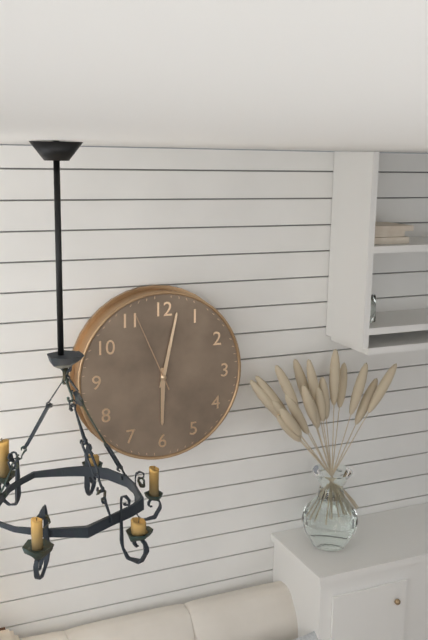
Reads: 6h02m56s
